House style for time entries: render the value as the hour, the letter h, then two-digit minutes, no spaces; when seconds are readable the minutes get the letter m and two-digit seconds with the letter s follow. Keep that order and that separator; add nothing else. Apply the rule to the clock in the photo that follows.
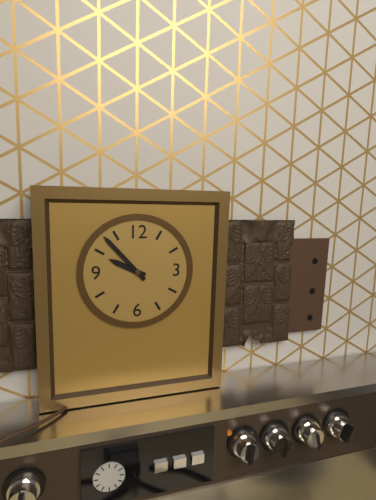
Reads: 9h53
